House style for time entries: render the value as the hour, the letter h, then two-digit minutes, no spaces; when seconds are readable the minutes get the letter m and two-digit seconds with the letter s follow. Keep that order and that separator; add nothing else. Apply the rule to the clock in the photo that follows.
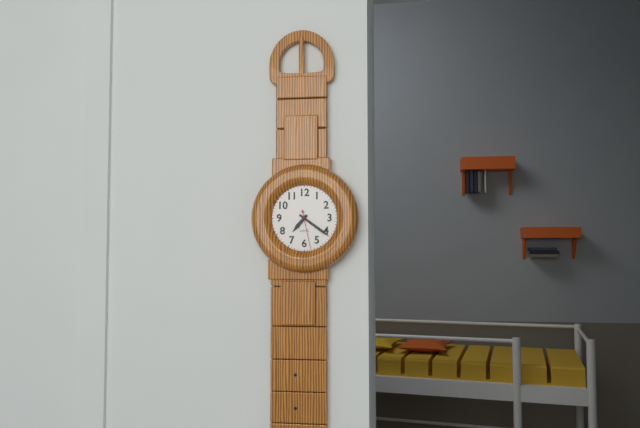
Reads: 7h21
